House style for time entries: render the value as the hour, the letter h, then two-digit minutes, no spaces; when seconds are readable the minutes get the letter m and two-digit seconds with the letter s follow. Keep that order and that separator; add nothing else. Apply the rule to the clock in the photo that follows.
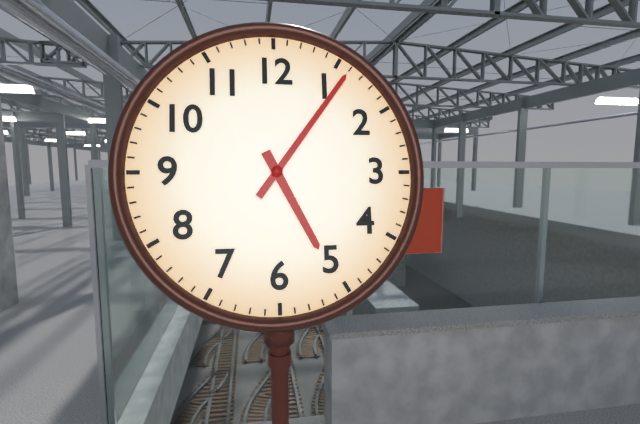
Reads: 5h06
